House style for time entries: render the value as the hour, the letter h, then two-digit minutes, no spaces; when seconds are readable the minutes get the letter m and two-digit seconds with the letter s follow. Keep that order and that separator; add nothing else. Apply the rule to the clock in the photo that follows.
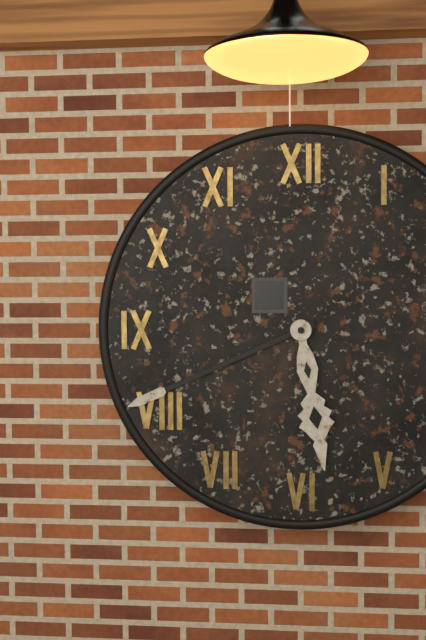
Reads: 5h41
